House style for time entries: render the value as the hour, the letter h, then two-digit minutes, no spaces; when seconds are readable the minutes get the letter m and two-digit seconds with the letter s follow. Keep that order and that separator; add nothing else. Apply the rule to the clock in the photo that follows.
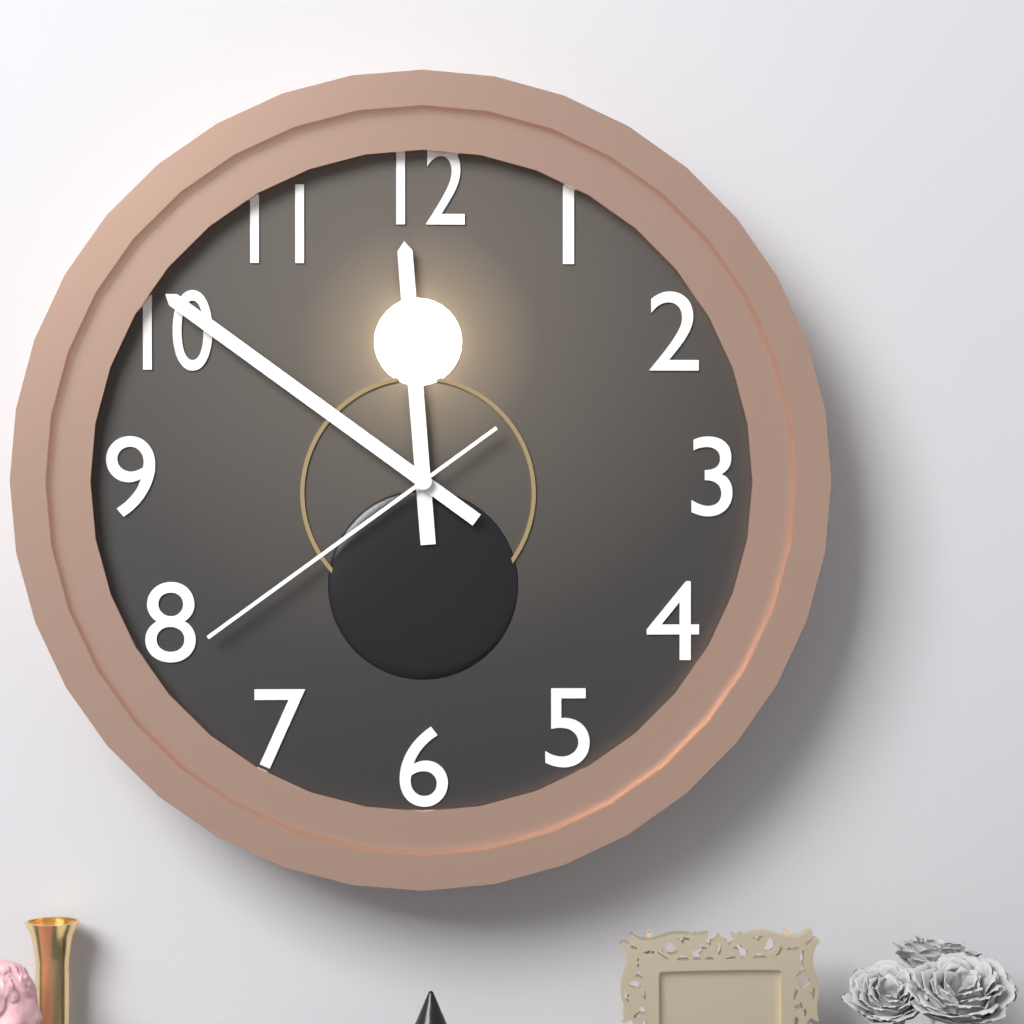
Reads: 11h51m39s
